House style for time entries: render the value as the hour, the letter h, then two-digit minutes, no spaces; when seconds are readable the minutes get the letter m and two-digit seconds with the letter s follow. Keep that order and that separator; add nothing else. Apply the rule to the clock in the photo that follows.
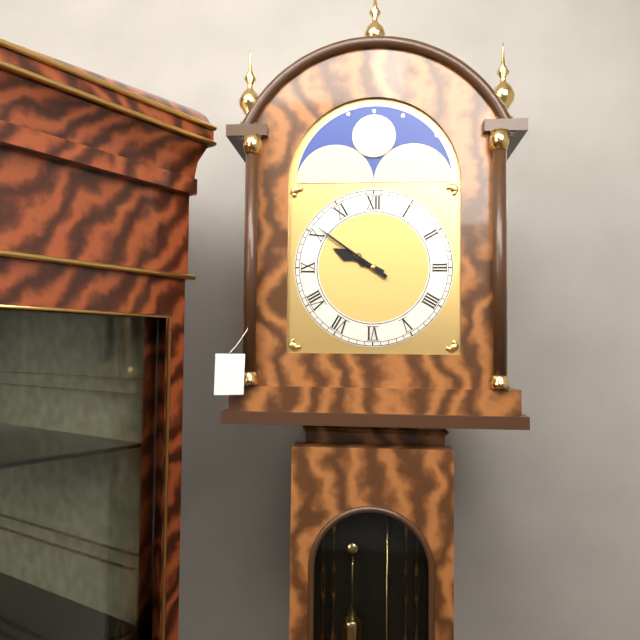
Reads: 9h51
